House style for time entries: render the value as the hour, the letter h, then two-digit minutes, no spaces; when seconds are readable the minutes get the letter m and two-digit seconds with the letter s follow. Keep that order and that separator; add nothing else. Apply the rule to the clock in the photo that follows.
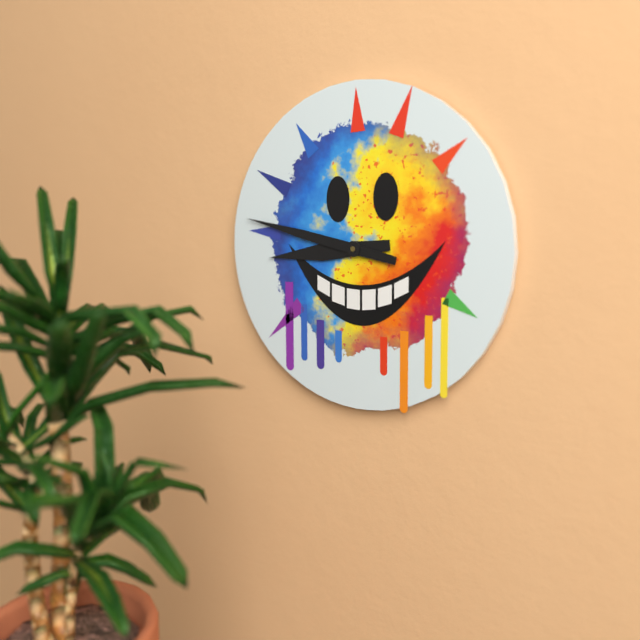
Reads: 8h47
